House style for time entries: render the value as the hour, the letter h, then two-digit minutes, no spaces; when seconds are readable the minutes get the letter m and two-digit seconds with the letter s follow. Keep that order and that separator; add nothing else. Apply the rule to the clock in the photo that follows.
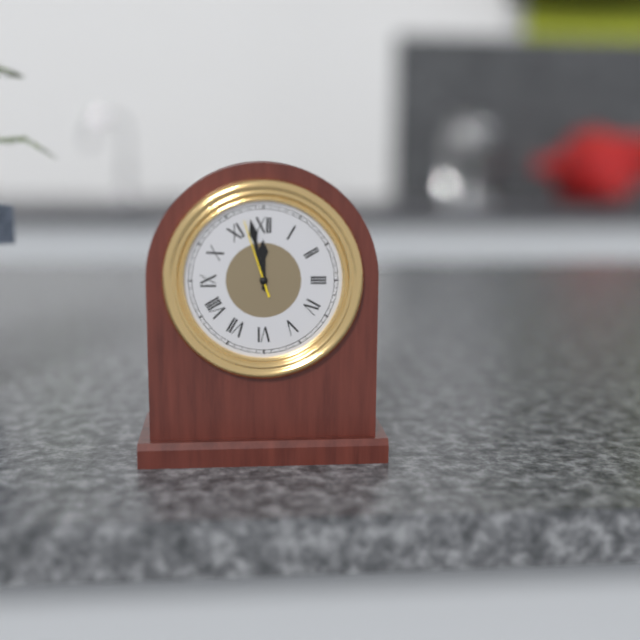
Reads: 11h58m57s
